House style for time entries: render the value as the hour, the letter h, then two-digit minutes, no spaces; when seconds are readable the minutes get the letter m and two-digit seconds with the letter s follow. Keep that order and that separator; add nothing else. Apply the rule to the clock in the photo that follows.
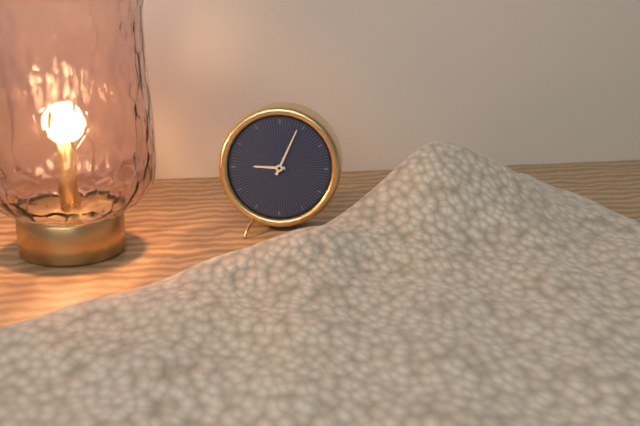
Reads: 9h04
